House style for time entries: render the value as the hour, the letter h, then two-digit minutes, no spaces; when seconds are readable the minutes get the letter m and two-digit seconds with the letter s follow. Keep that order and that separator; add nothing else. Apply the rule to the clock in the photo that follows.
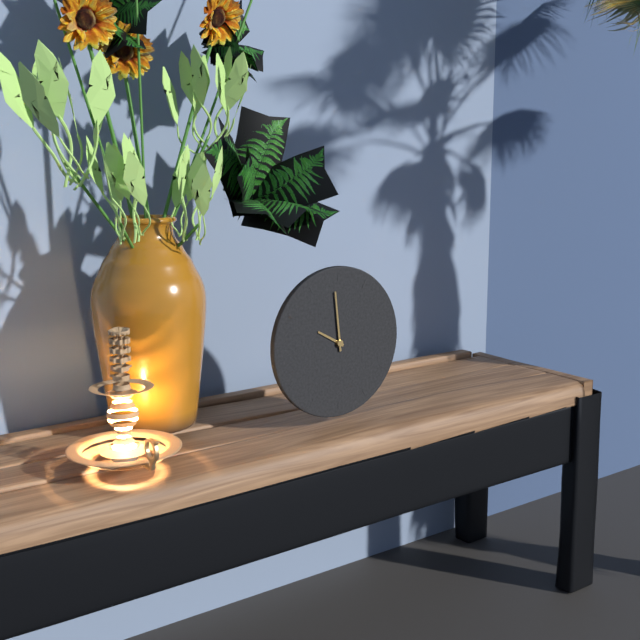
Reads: 9h59
